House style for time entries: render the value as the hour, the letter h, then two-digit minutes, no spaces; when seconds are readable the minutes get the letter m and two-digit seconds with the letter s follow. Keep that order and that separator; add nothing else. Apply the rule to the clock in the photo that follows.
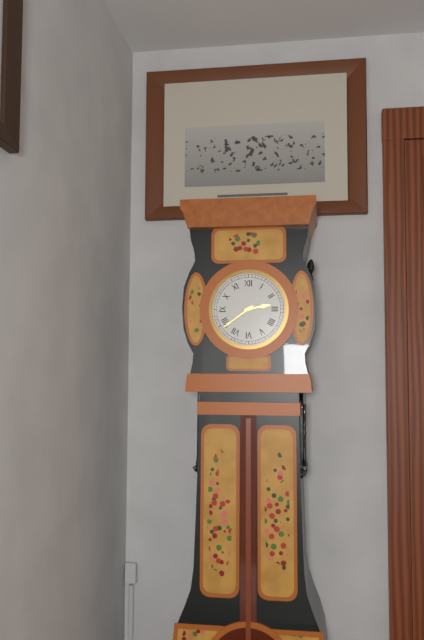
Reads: 2h39
